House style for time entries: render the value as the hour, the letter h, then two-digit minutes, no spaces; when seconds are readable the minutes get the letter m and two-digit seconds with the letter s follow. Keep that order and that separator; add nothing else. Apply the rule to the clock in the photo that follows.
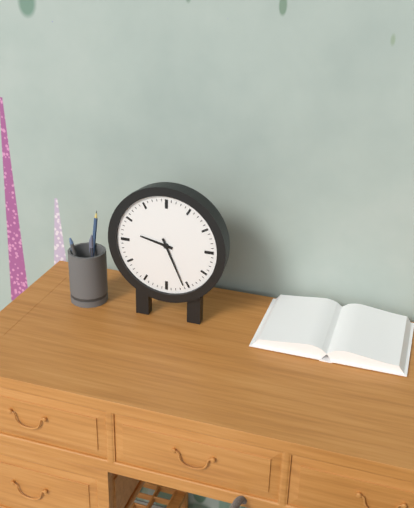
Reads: 9h26
